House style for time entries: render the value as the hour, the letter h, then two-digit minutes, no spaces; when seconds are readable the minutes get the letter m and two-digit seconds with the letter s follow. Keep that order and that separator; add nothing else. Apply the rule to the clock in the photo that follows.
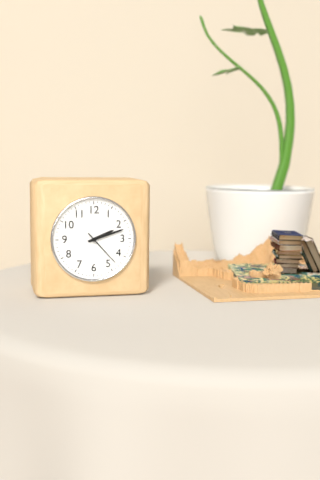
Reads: 2h12
